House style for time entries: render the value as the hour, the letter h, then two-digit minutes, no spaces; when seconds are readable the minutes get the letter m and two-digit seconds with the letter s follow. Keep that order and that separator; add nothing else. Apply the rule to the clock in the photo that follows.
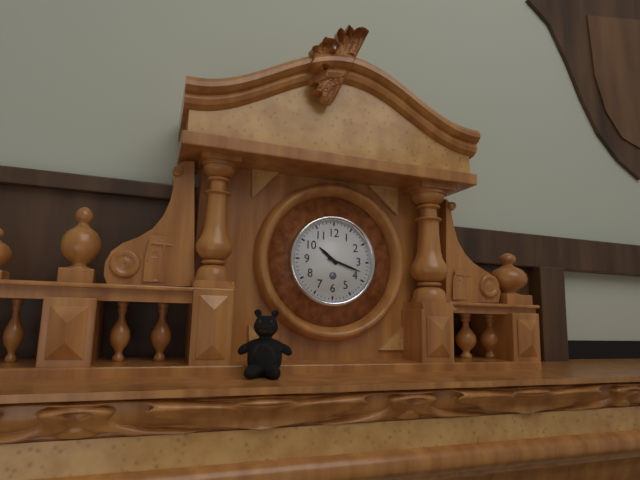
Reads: 10h18
